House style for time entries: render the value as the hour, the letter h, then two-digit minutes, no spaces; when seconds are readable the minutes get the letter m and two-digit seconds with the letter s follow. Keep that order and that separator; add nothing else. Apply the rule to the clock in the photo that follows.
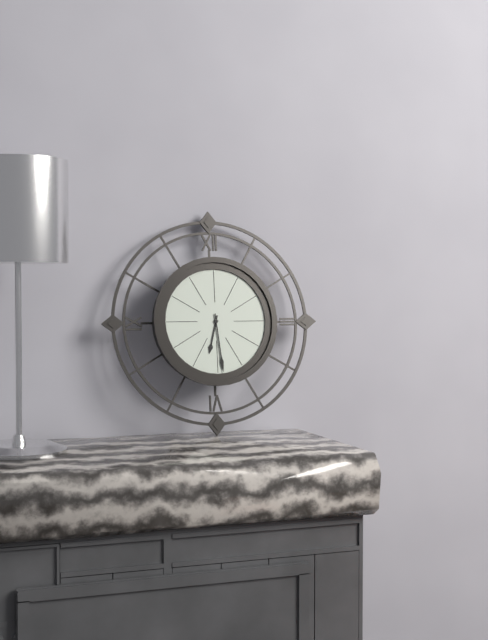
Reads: 6h29
